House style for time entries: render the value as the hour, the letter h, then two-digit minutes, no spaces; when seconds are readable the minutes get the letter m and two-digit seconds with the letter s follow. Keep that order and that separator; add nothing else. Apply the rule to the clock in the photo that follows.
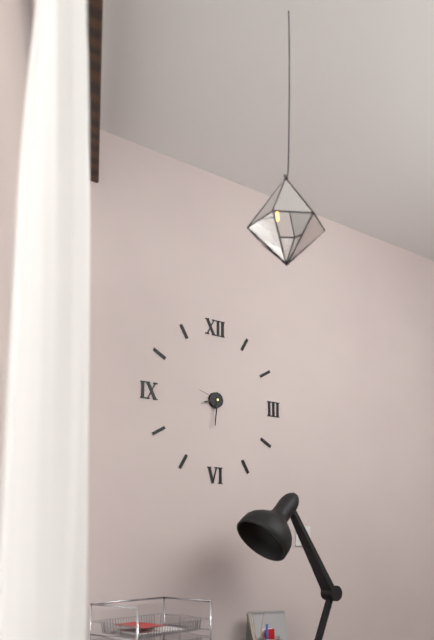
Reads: 8h31
